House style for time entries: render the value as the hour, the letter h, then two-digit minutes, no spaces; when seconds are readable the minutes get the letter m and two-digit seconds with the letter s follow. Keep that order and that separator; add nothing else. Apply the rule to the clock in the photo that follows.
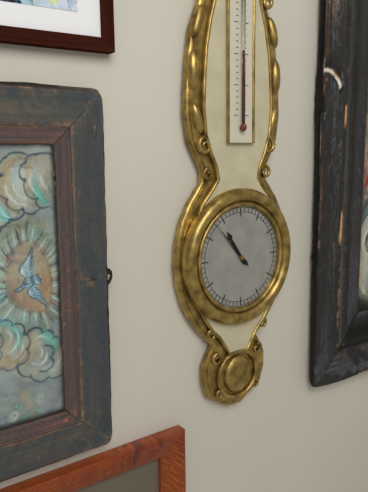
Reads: 10h53
